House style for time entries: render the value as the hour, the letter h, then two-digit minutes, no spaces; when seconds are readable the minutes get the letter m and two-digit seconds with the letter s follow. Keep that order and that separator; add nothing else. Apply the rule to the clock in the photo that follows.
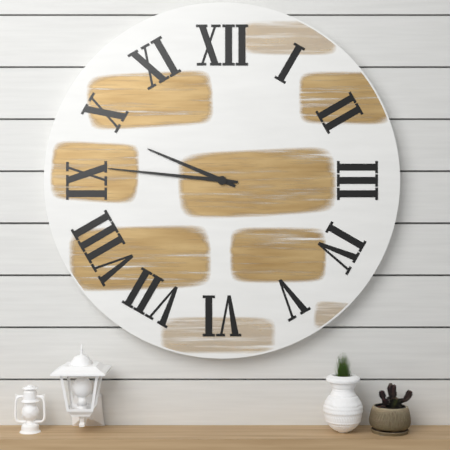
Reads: 9h46
